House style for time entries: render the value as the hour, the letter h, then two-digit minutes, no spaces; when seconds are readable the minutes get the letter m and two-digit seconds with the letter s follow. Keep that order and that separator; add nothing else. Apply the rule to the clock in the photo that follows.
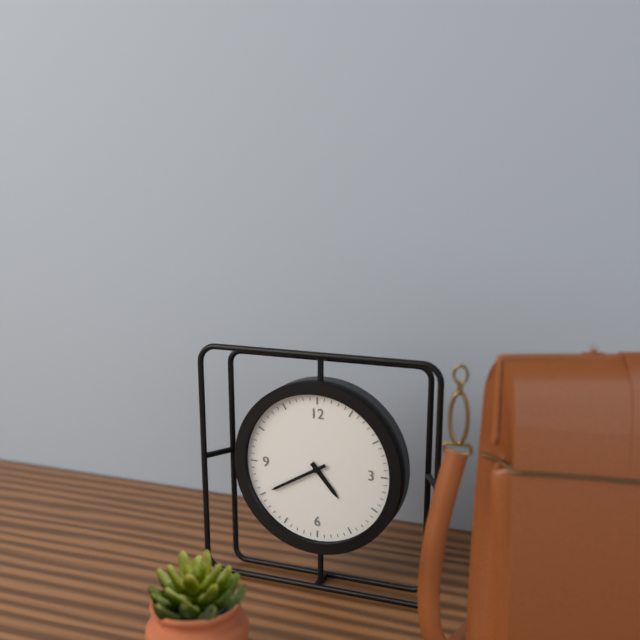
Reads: 4h40
